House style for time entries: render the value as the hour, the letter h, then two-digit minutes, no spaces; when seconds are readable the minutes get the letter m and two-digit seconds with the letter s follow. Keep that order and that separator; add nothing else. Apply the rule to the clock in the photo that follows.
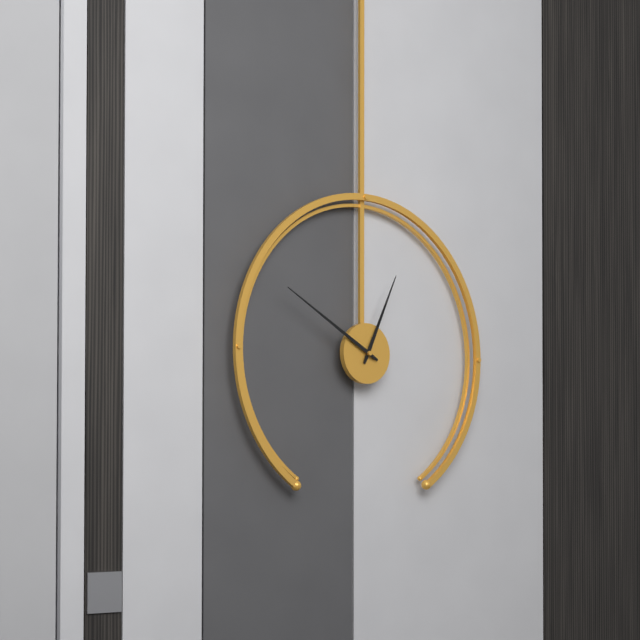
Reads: 12h50
